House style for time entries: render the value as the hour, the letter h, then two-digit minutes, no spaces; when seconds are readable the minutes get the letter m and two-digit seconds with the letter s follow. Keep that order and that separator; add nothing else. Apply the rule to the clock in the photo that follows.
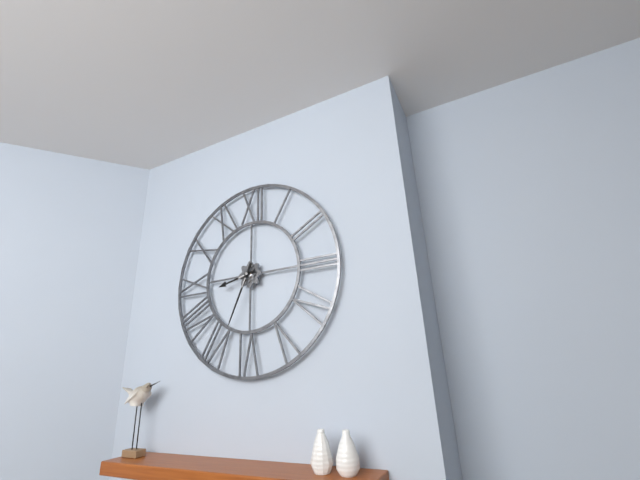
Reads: 8h34
